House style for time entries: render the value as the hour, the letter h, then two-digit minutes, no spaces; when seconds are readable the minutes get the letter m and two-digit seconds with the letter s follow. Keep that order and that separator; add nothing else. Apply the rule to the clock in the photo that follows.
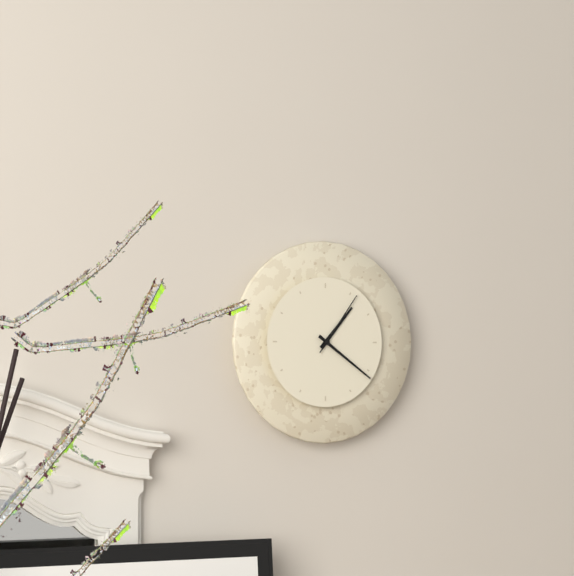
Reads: 1h21m06s
